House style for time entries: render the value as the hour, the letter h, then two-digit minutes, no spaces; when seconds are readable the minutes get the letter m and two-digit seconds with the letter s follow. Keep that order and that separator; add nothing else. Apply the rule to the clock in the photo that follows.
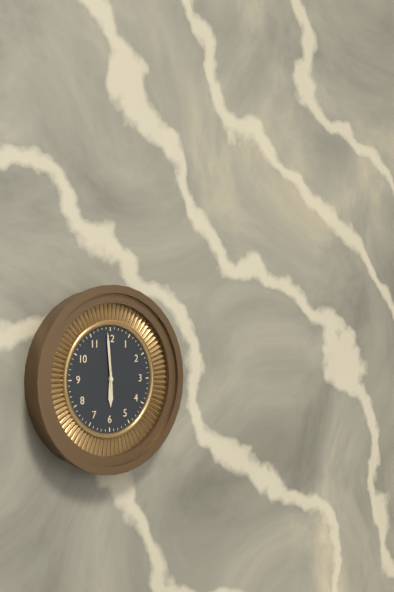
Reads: 5h59
